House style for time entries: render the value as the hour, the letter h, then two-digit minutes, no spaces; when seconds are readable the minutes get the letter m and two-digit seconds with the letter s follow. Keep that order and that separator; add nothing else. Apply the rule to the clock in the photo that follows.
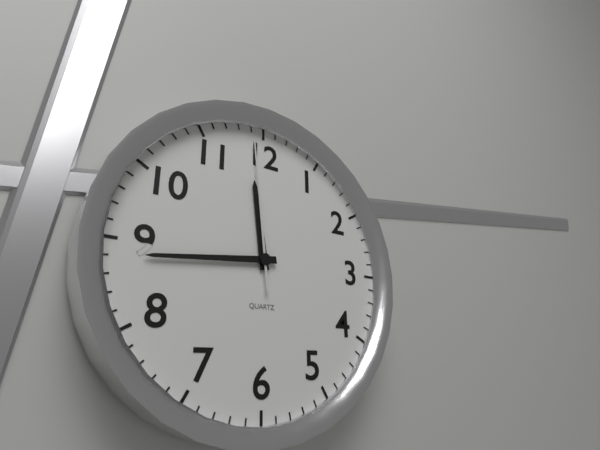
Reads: 11h44m59s
